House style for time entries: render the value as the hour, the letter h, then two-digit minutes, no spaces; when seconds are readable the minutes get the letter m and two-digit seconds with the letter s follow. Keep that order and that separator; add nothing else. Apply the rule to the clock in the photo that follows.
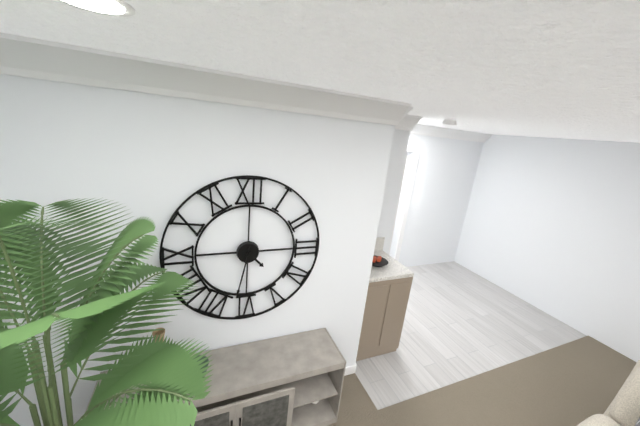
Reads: 4h32
